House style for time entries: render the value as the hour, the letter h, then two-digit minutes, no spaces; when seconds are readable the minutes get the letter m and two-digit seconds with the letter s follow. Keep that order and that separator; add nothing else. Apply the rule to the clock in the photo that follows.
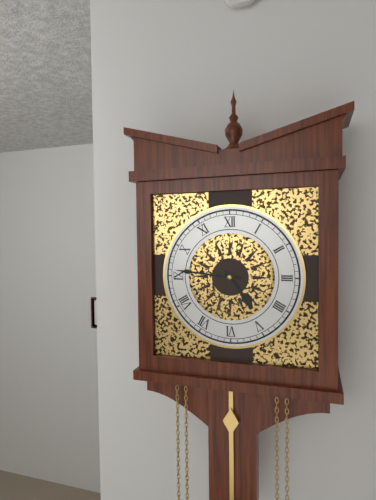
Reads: 4h46
